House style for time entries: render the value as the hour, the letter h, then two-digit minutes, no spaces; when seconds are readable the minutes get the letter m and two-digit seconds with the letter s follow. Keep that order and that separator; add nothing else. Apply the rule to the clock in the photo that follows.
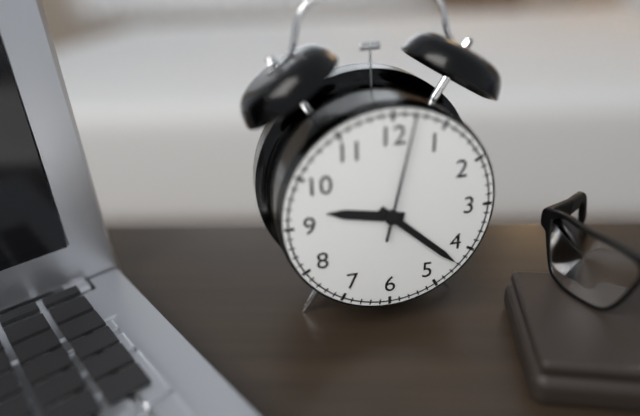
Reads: 9h22m02s
